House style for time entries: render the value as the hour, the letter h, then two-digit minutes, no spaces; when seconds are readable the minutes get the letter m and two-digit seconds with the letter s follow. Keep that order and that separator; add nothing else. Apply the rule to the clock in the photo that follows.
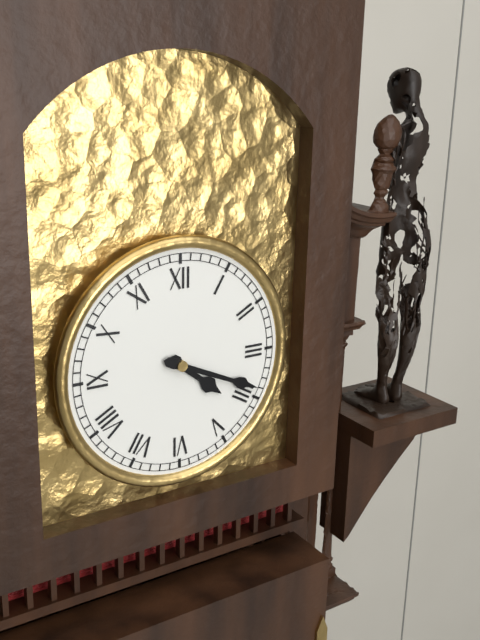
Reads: 4h19
